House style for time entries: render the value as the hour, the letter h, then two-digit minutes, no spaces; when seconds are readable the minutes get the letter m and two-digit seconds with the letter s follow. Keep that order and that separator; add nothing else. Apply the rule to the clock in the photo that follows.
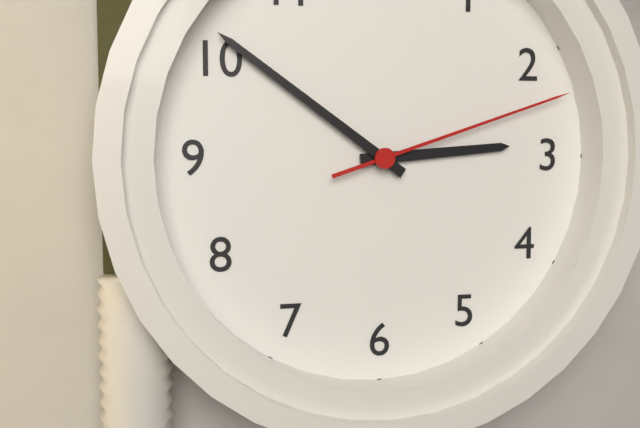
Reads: 2h51m12s
